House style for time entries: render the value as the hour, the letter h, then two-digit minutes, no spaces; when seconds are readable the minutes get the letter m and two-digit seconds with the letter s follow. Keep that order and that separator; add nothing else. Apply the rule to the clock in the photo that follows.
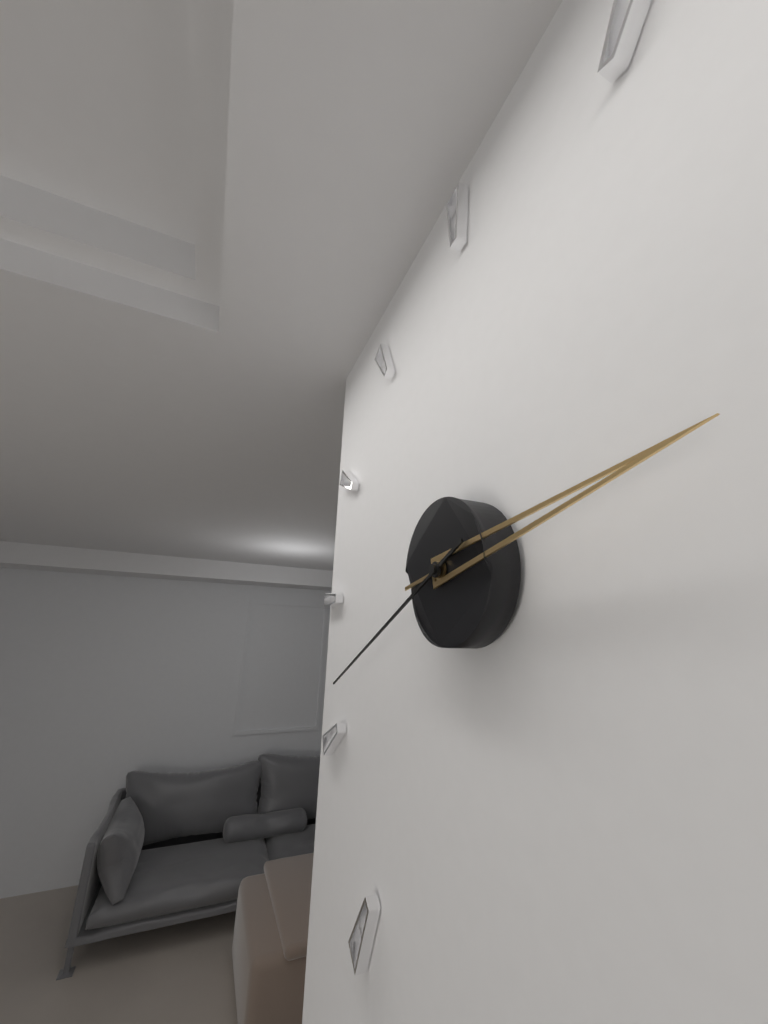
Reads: 2h41
